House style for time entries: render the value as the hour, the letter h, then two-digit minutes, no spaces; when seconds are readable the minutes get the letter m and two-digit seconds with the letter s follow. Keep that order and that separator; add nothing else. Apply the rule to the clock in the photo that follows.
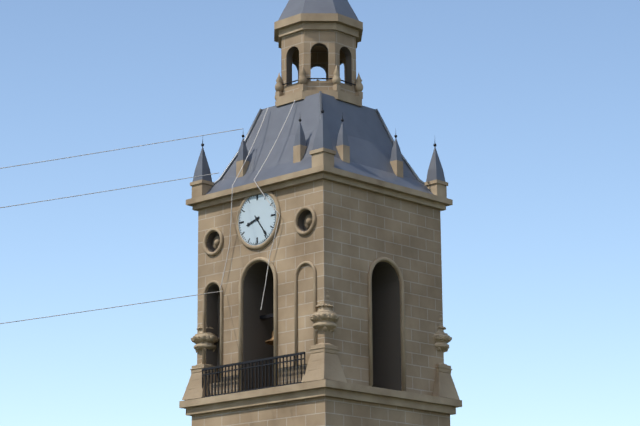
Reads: 8h24
